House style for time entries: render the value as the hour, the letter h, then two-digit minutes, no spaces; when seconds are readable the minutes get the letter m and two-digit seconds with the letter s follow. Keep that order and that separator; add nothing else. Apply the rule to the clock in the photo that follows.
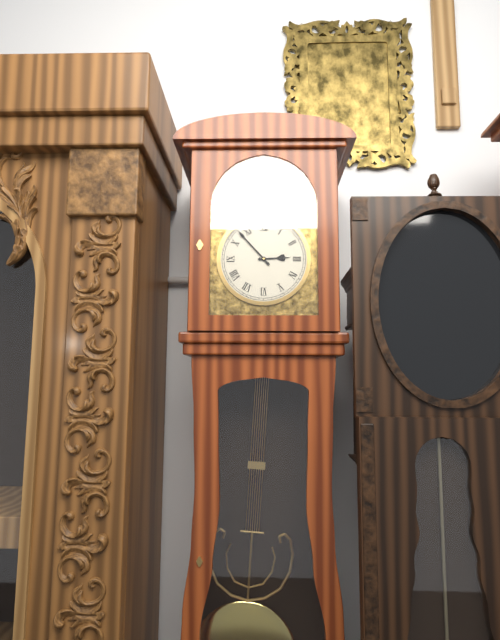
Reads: 2h53
